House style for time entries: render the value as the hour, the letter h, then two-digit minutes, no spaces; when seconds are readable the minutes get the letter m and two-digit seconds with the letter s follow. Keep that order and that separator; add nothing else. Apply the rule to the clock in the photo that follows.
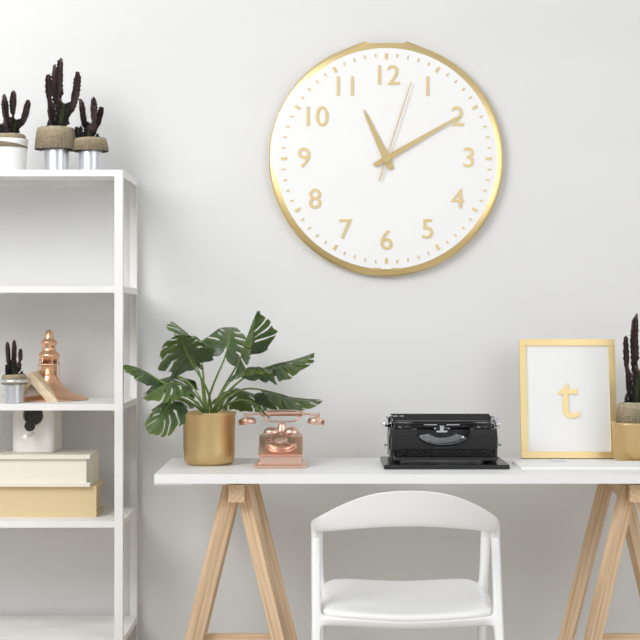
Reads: 11h10m03s
